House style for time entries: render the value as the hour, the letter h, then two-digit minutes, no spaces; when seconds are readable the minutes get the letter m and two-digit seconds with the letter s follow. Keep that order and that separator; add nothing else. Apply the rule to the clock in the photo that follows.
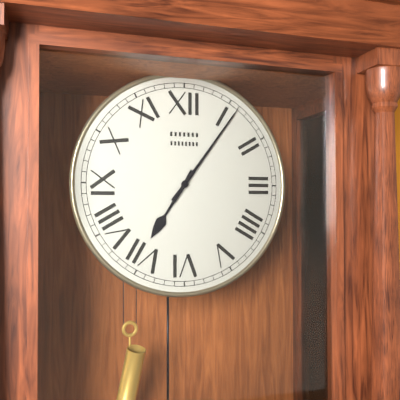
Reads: 7h06
